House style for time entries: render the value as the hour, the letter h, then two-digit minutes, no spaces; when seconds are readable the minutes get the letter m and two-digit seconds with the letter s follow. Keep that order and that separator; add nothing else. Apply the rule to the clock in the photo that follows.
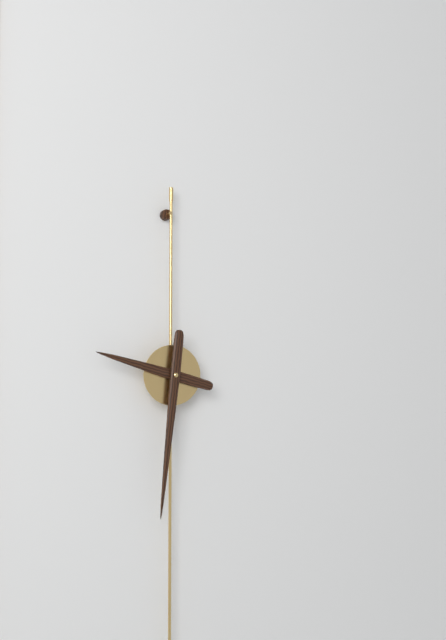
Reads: 9h31
